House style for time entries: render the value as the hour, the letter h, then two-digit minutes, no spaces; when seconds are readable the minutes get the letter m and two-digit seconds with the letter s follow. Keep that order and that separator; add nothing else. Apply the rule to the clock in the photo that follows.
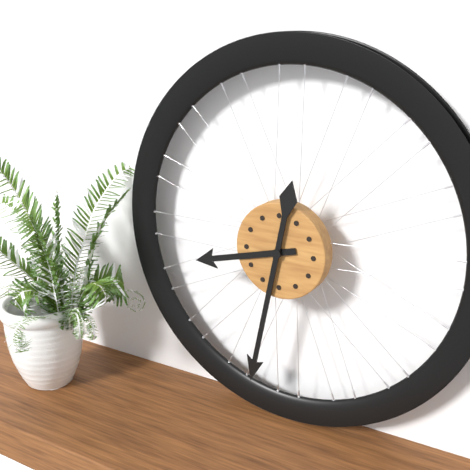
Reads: 8h32
